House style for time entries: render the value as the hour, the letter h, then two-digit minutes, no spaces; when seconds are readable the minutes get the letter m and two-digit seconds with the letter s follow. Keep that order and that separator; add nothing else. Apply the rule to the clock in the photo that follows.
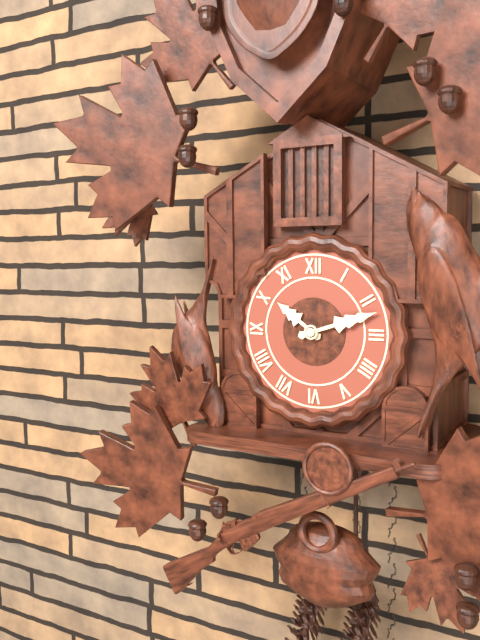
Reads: 10h12
